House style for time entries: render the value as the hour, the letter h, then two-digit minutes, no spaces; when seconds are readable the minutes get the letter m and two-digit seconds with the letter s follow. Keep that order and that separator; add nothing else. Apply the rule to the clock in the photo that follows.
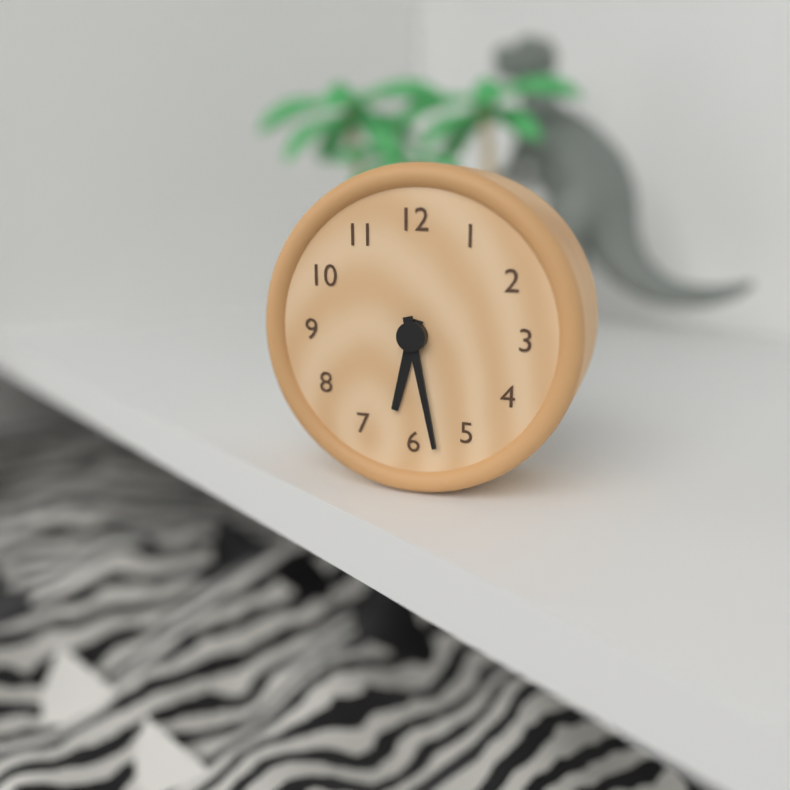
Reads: 6h28
